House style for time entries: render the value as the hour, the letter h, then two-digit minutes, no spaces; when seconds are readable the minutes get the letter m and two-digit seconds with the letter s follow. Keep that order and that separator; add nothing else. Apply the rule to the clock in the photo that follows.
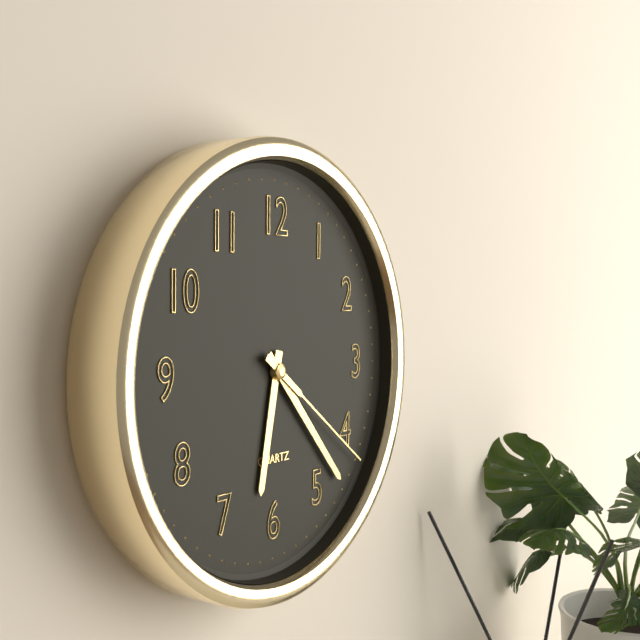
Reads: 6h23m21s
